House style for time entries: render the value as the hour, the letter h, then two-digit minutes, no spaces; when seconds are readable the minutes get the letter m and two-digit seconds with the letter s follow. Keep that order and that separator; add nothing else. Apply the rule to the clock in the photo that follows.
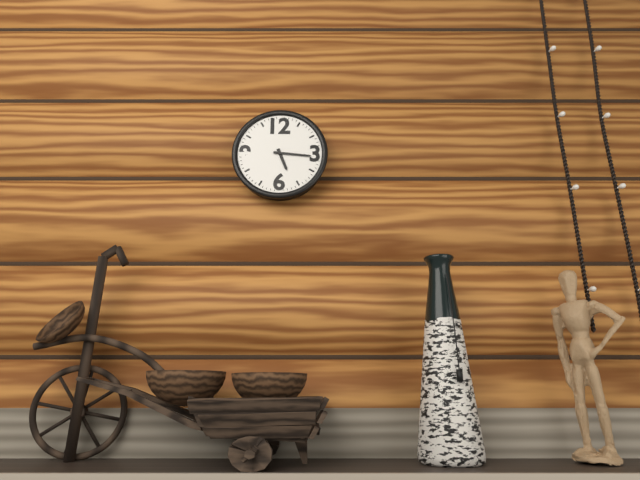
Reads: 5h16
